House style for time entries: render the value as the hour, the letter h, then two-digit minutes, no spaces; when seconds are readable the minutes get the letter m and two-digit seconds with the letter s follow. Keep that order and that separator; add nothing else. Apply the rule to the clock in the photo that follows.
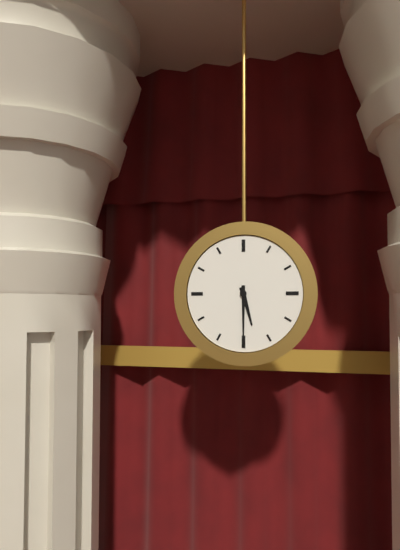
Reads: 5h30
